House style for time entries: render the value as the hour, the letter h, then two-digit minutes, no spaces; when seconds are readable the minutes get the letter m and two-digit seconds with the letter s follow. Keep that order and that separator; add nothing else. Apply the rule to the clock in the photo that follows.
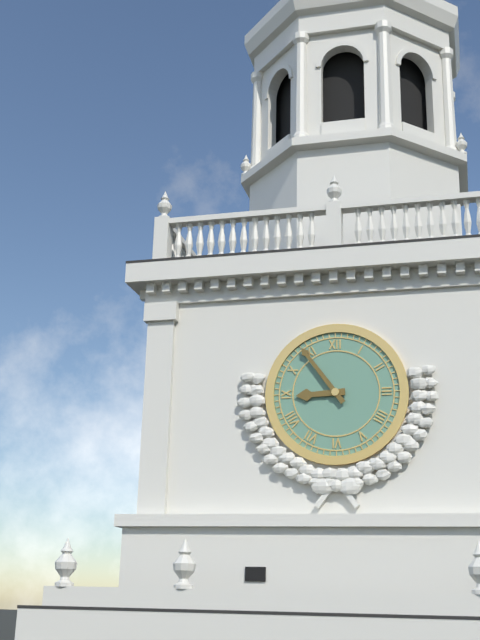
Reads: 8h54
